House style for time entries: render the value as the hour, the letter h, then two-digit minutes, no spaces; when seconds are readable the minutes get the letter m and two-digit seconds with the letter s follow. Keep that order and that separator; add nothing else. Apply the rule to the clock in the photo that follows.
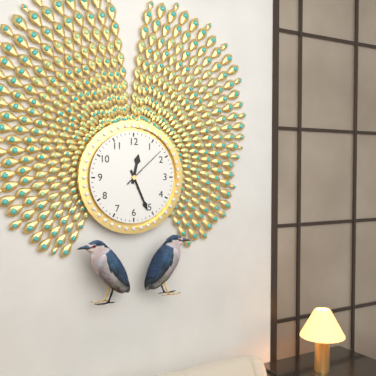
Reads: 12h26
